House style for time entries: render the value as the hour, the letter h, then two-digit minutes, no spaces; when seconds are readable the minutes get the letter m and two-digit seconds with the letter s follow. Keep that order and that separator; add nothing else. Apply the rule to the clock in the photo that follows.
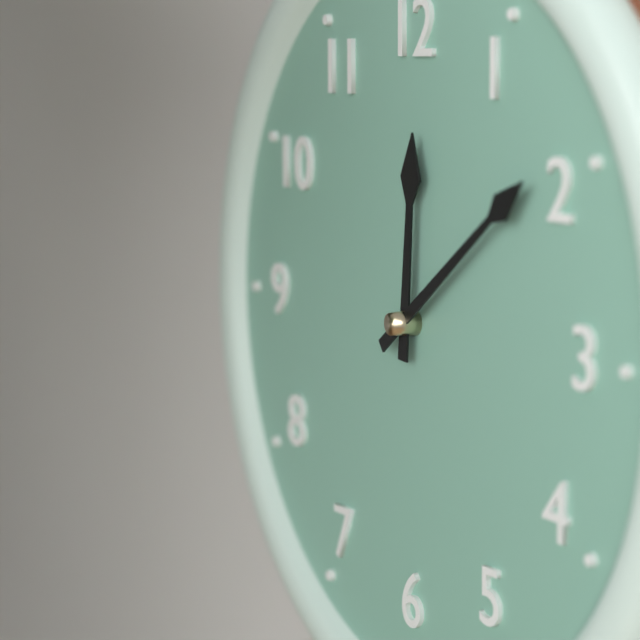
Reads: 12h09
